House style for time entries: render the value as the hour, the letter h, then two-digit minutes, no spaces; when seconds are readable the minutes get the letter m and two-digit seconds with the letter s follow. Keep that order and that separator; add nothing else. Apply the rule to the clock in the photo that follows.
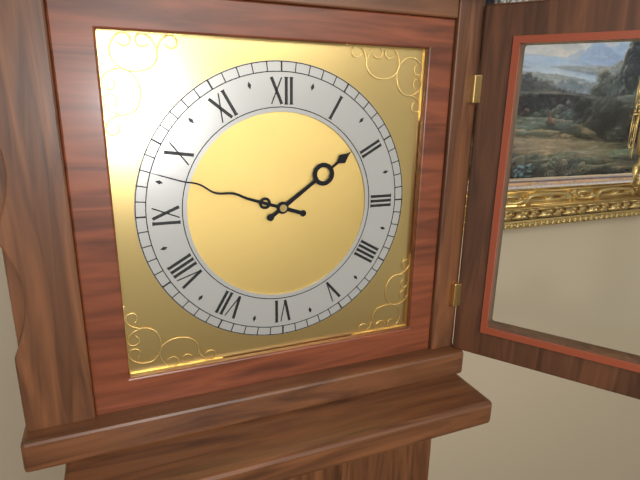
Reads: 1h48
